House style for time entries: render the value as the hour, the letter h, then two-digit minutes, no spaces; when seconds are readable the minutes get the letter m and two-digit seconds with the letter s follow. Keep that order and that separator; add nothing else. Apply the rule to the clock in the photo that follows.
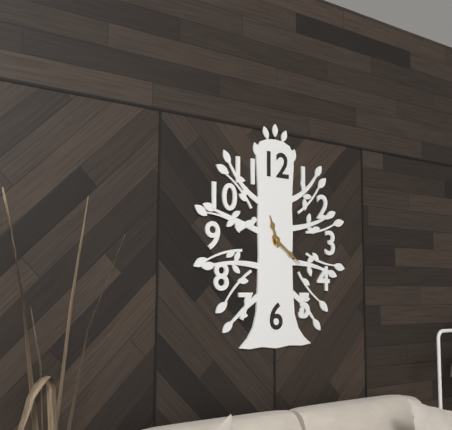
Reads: 11h21
